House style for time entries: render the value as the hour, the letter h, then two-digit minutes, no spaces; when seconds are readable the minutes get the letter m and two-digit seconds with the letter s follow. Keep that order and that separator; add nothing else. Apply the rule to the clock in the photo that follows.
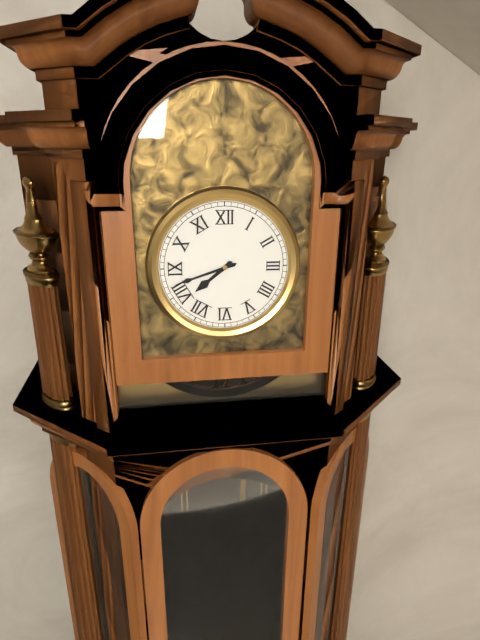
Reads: 7h42
